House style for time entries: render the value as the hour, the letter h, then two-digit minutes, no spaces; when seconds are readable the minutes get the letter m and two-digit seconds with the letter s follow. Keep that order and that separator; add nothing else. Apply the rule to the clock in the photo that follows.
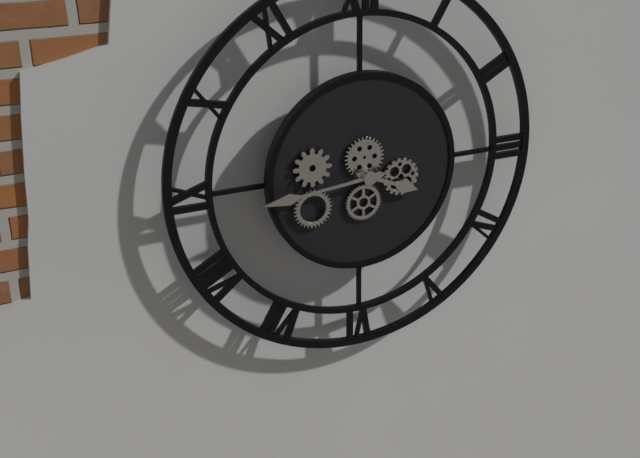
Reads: 3h44
